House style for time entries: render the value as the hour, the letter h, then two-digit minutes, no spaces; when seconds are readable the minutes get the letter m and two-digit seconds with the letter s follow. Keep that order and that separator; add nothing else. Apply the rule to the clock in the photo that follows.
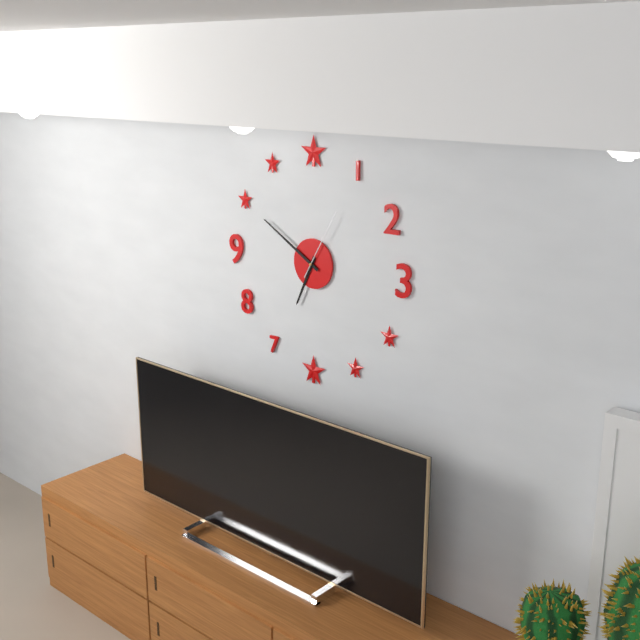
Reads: 6h50m05s
